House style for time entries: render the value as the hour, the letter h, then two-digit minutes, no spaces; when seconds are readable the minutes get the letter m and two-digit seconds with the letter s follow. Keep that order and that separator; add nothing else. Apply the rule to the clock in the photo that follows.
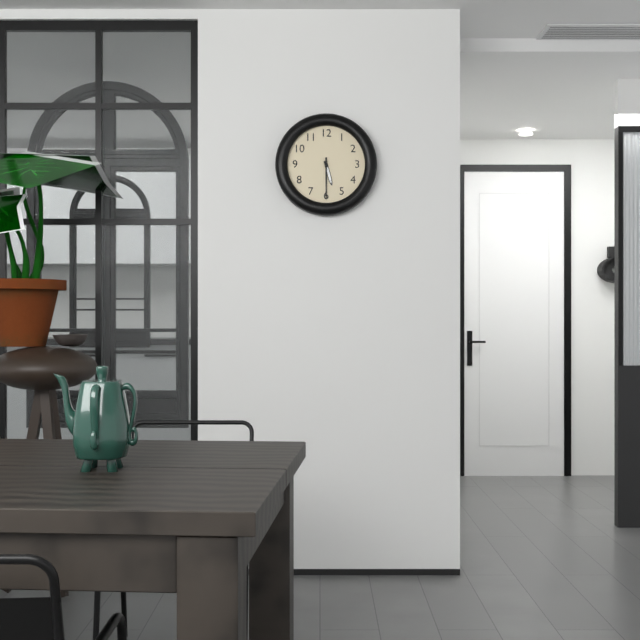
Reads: 5h30
